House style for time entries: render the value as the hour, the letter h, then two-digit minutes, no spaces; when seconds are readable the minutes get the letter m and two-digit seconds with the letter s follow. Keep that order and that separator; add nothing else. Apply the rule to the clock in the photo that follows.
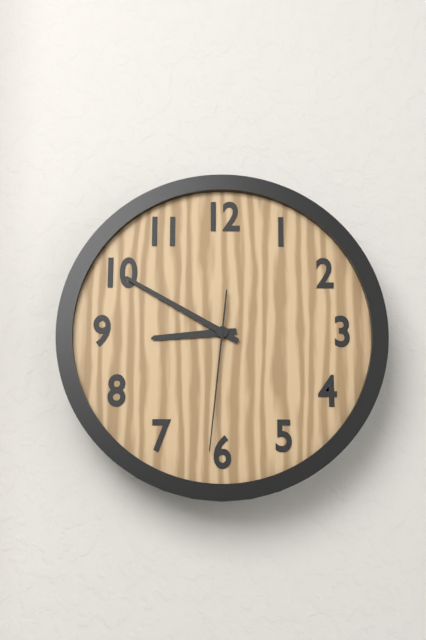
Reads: 8h50m31s
